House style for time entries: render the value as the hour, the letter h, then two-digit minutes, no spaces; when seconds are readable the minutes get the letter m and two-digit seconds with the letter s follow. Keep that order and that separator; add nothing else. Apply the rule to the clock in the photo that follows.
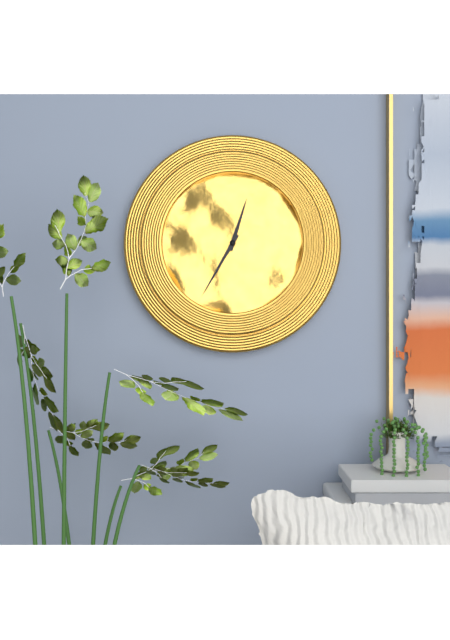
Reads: 12h35
